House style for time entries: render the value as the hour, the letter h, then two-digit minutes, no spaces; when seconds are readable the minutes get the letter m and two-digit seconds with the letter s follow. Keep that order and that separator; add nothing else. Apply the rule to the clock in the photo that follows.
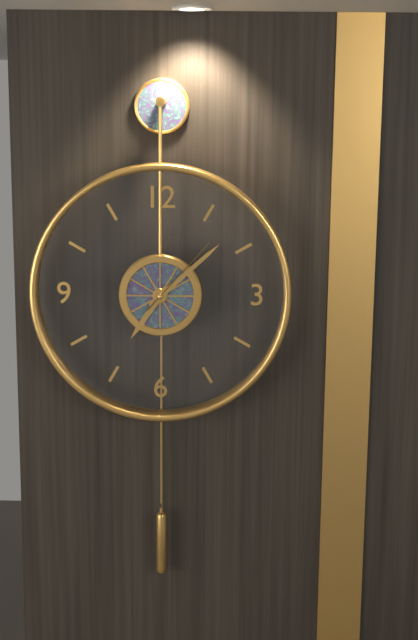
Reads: 7h08m07s
